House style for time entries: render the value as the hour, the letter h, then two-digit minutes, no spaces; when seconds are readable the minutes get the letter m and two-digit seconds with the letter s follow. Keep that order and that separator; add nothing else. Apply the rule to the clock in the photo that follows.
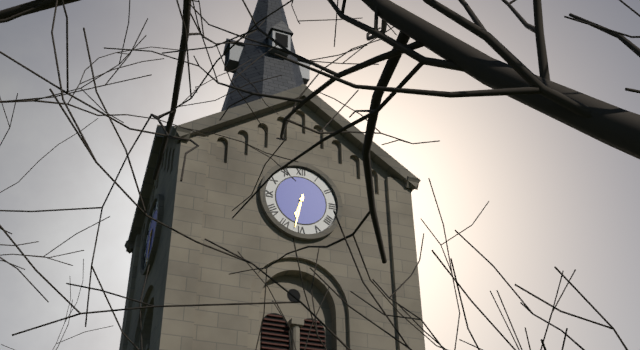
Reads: 6h32
